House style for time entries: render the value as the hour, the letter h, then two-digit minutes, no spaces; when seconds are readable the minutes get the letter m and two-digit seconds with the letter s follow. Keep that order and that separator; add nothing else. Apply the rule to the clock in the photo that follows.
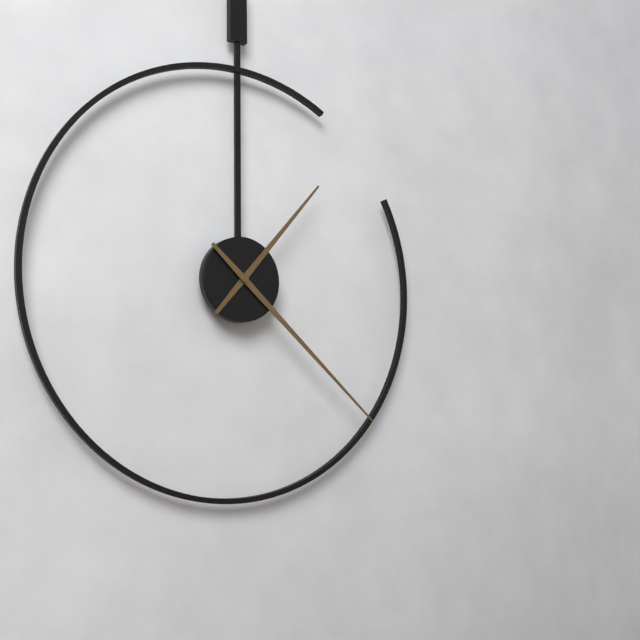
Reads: 1h22
